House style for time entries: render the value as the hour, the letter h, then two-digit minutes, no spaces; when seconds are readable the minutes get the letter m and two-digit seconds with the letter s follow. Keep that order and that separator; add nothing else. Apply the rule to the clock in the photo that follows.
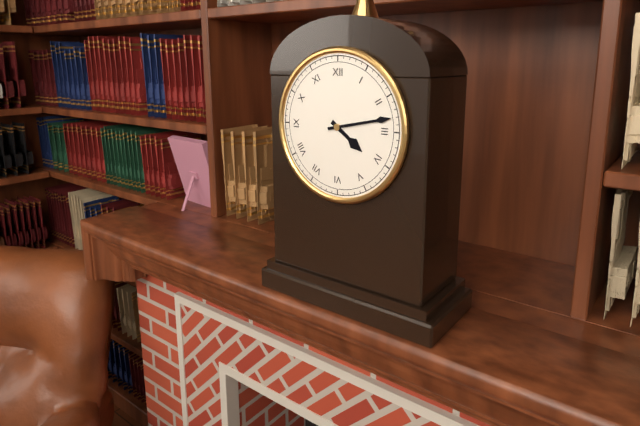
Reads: 4h13
